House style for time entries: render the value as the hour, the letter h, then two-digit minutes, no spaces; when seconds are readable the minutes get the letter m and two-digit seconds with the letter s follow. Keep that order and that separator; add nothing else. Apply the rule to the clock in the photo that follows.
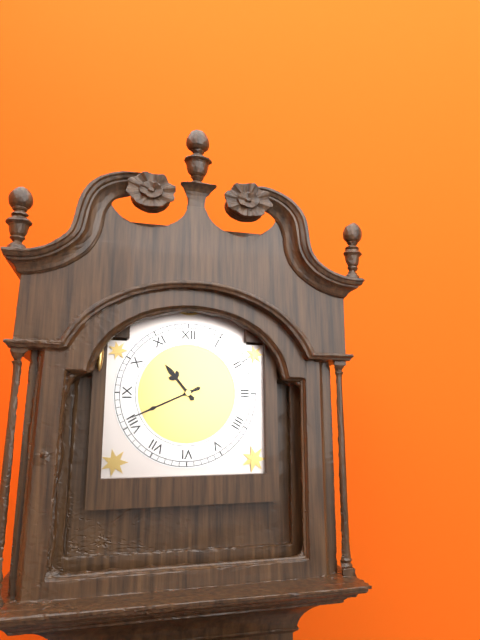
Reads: 10h41
